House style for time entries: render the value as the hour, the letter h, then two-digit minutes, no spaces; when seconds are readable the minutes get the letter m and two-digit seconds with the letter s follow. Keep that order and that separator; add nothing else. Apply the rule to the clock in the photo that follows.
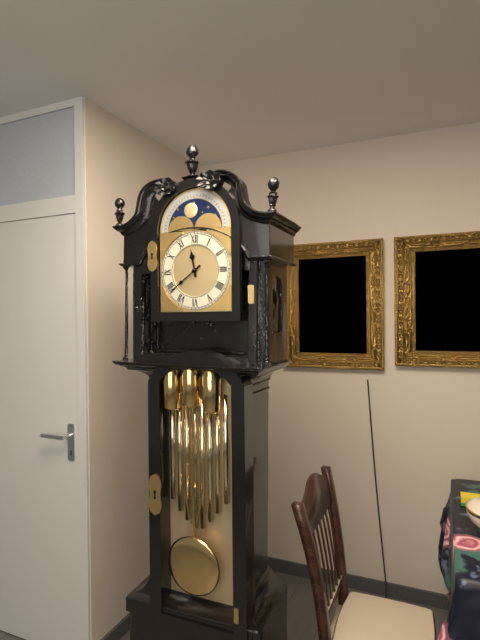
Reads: 11h39
